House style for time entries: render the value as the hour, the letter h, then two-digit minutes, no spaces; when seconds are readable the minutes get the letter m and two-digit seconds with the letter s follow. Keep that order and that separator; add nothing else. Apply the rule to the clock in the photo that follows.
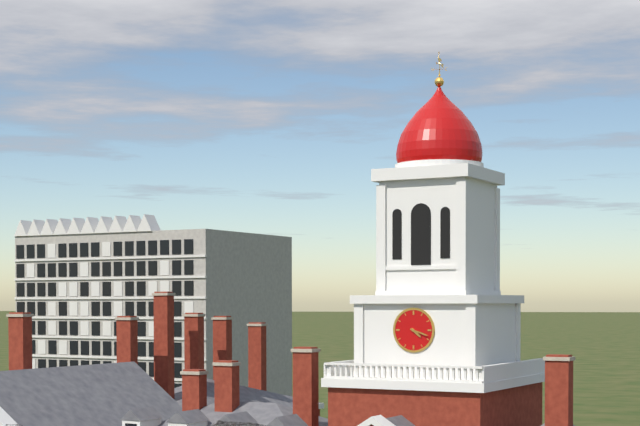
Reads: 4h18
